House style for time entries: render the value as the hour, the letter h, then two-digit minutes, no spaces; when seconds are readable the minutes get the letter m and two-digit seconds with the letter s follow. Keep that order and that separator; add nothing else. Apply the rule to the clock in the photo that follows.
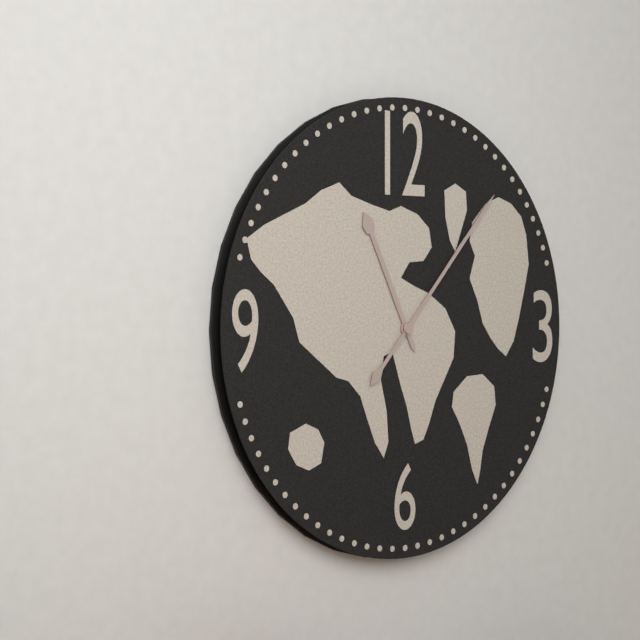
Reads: 11h07
